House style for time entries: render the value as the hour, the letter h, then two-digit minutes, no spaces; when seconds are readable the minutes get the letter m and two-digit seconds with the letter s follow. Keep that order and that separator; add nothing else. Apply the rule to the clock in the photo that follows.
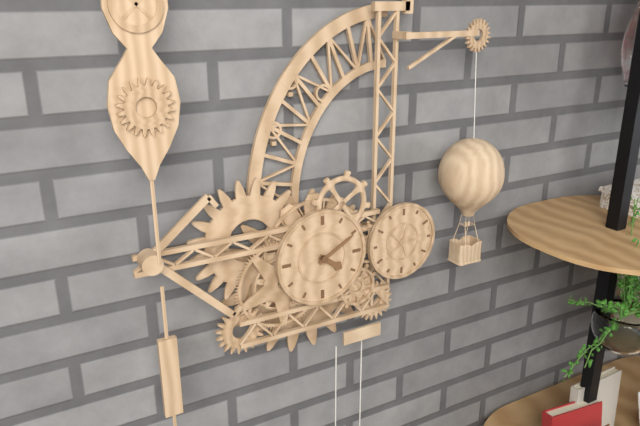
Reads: 4h10
